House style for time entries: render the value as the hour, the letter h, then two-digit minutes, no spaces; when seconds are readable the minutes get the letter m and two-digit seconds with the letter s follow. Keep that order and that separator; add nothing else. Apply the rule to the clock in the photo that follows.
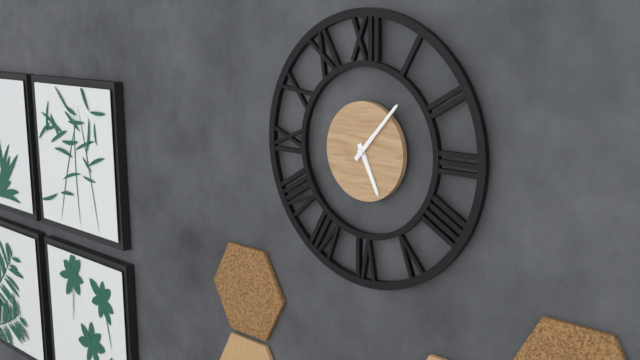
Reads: 5h07
